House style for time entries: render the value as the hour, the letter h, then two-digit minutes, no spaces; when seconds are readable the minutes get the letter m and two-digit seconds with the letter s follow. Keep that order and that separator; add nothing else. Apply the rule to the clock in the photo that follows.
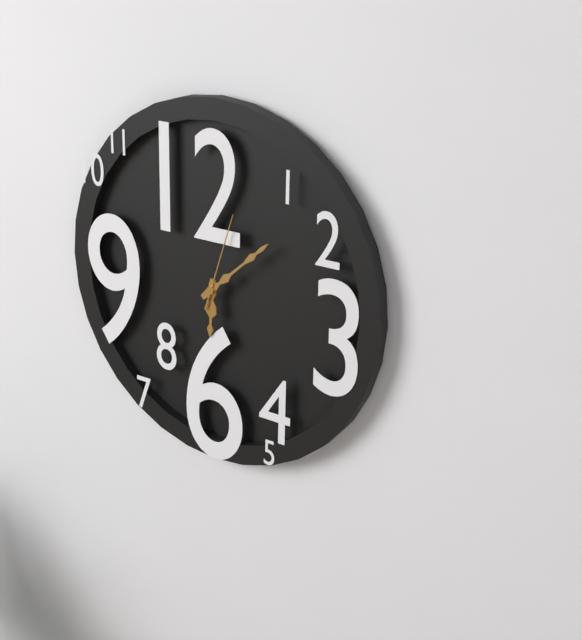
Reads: 6h08m03s
